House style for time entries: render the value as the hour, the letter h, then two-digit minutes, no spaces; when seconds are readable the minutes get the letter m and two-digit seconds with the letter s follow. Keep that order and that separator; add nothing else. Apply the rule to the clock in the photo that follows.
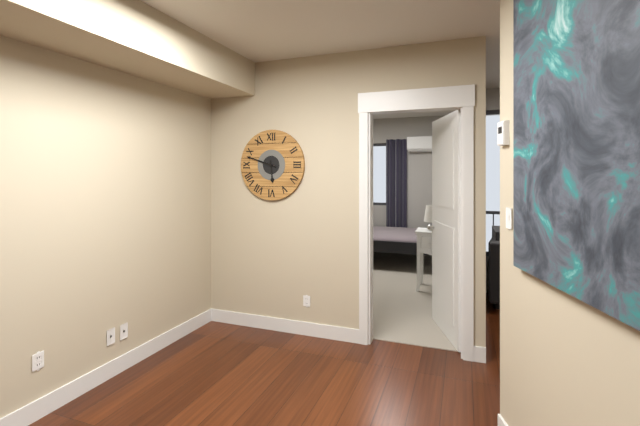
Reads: 5h48
